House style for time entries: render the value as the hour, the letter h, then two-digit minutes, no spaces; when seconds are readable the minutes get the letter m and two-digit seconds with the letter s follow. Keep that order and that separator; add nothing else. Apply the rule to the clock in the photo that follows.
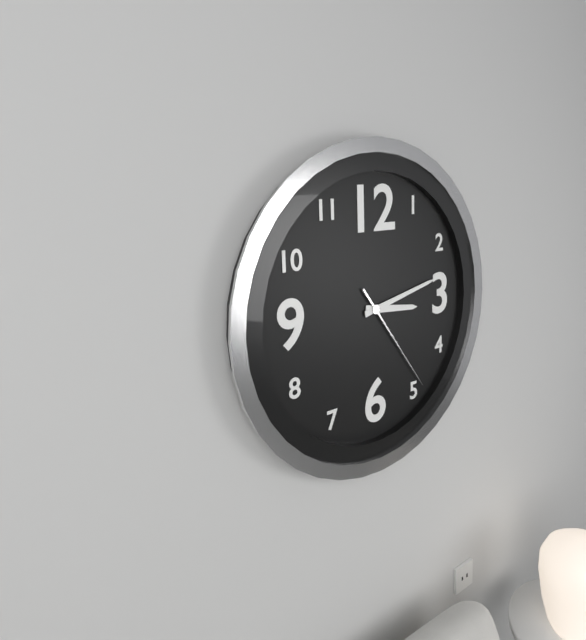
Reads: 3h13m24s
